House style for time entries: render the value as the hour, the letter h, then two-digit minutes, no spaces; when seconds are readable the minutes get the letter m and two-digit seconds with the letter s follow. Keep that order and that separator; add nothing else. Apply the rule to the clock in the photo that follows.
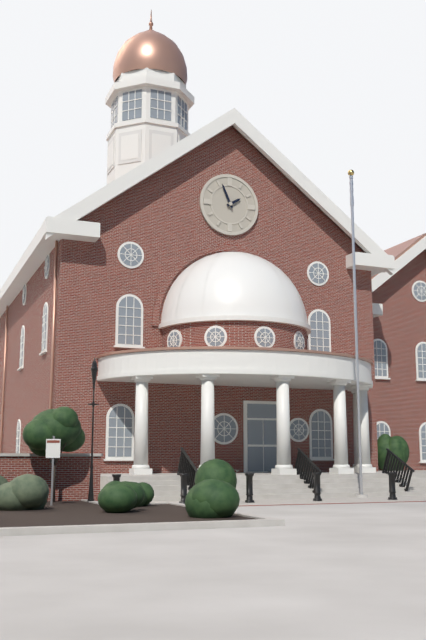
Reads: 1h56
